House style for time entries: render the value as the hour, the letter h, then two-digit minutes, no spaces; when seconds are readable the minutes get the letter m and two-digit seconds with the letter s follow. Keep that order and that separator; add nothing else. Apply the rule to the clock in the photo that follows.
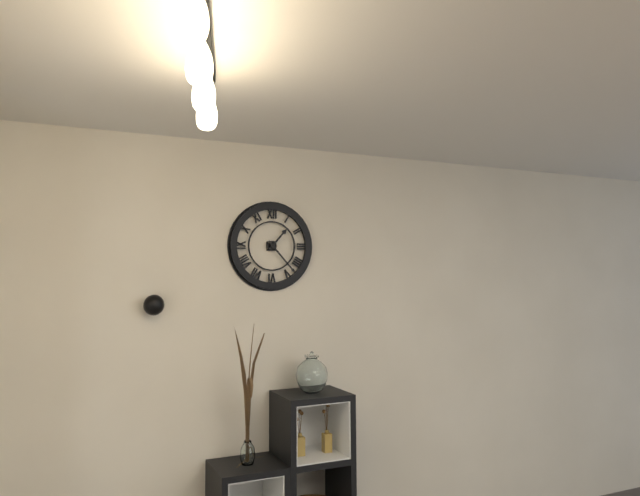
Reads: 1h23
